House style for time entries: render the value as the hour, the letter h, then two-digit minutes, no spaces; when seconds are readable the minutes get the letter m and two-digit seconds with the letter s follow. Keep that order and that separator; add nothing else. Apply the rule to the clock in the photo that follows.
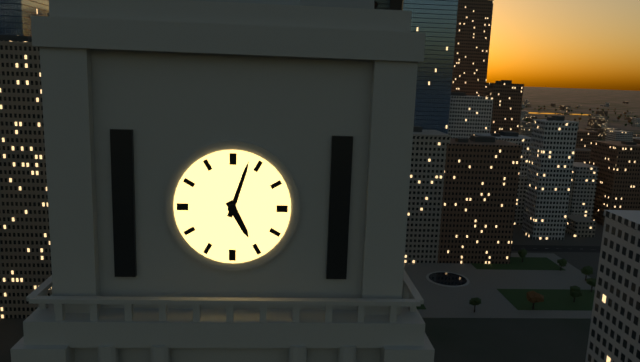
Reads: 5h03
